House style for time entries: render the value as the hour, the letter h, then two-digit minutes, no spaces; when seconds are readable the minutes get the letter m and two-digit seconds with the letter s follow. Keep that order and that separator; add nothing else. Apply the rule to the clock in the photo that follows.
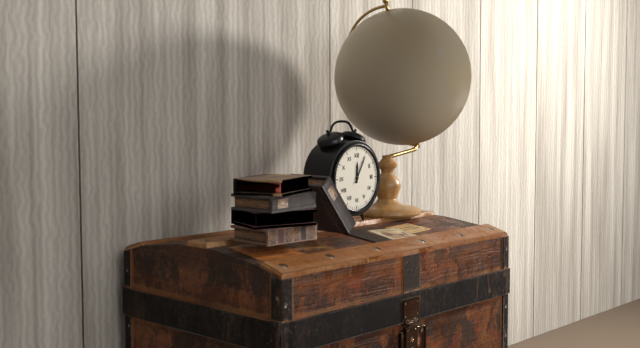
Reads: 12h05
